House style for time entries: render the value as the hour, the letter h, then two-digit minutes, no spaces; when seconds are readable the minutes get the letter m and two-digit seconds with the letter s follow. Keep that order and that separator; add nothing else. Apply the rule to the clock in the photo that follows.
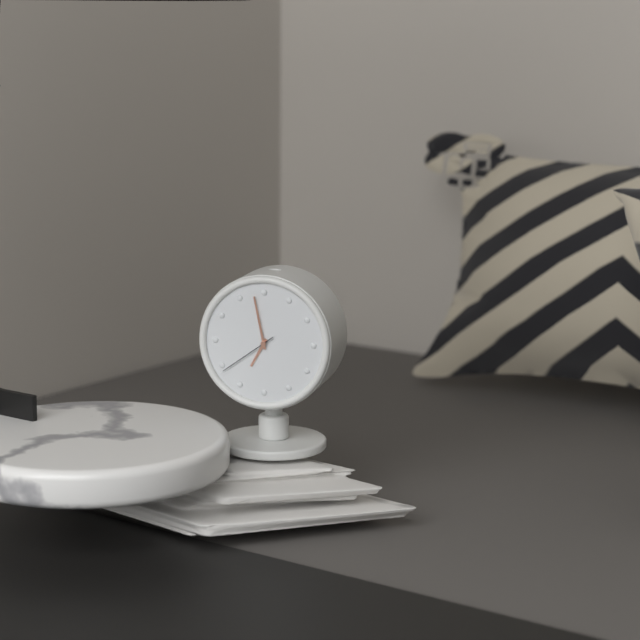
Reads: 6h58m39s
